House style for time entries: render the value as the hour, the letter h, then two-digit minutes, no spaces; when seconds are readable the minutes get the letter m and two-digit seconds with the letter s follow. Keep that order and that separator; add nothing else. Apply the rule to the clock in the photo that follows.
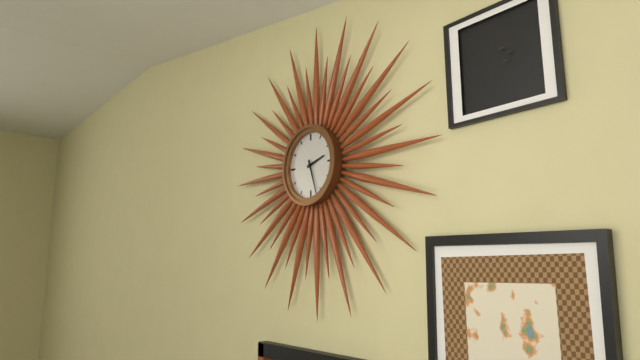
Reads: 2h27
